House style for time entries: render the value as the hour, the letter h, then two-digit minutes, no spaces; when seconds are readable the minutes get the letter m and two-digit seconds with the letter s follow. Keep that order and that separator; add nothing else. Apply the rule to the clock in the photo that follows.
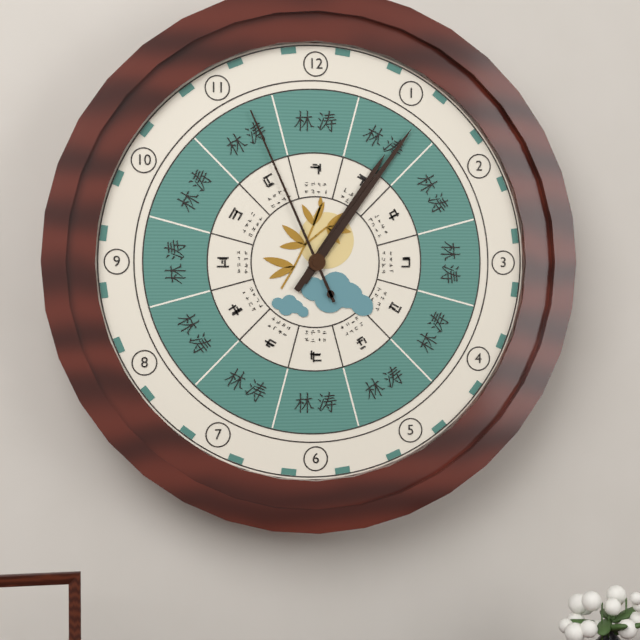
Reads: 1h06m56s
